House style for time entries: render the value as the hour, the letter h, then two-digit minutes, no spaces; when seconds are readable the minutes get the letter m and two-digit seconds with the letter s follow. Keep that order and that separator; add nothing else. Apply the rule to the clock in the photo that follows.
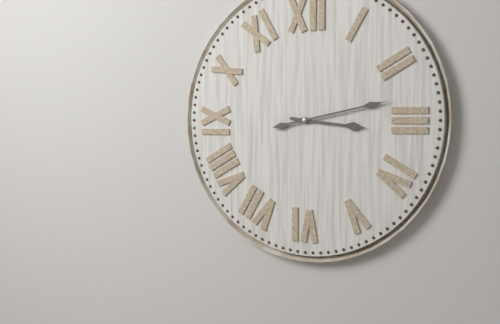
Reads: 3h13
